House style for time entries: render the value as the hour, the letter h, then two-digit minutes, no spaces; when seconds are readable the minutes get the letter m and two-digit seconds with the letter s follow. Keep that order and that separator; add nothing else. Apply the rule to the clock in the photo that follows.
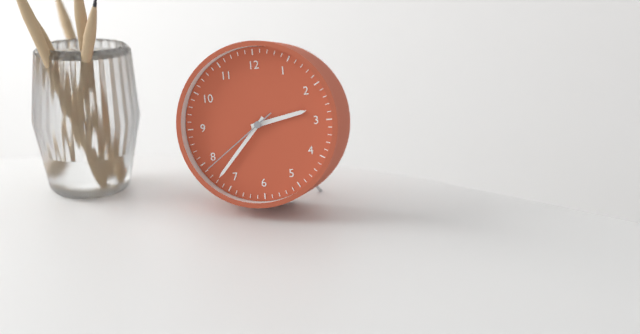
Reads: 2h37m39s
